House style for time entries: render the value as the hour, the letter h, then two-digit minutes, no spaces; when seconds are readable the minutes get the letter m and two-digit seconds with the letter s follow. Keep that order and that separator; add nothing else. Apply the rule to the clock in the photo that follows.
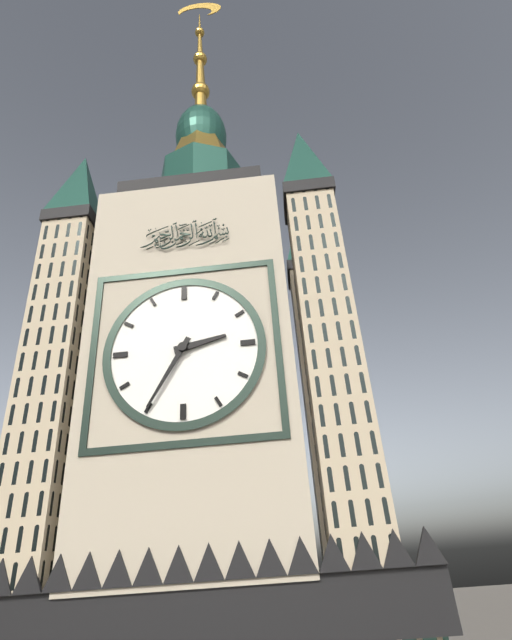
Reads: 2h35
